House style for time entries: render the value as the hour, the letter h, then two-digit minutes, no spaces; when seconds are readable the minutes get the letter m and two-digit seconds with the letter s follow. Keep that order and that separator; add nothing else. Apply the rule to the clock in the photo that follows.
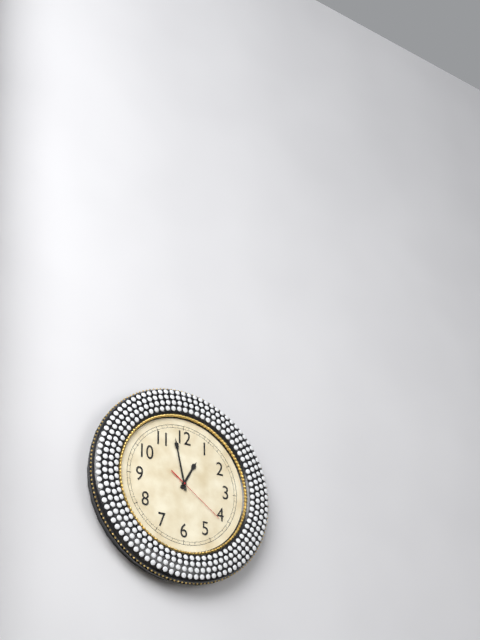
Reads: 12h58m21s
